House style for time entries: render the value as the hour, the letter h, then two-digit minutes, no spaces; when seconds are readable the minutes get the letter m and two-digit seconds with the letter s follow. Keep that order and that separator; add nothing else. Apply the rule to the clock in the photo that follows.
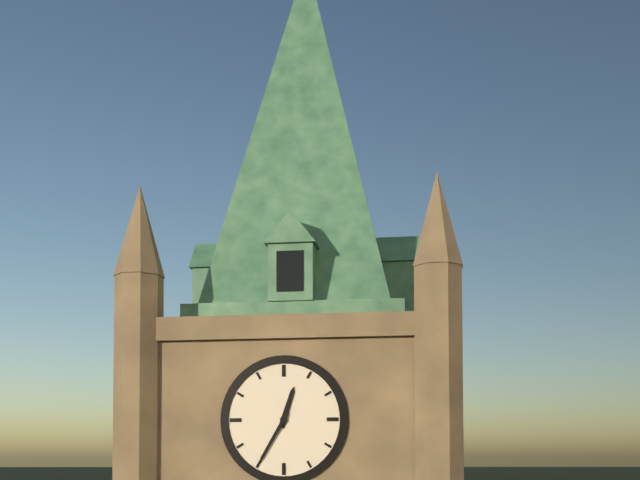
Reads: 12h35
